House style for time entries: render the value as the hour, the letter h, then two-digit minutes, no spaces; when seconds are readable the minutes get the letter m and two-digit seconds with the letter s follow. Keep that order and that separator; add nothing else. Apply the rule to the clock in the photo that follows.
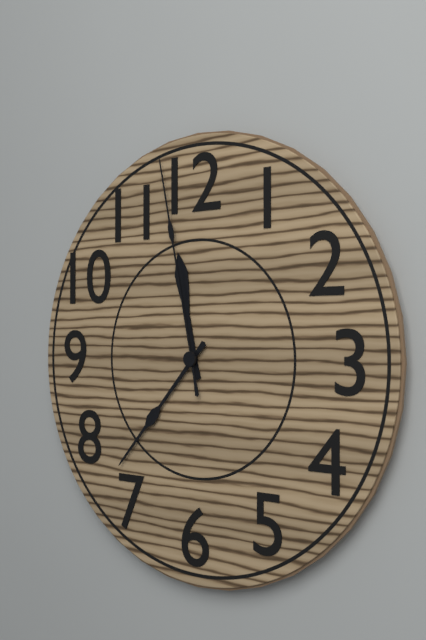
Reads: 11h37m58s
